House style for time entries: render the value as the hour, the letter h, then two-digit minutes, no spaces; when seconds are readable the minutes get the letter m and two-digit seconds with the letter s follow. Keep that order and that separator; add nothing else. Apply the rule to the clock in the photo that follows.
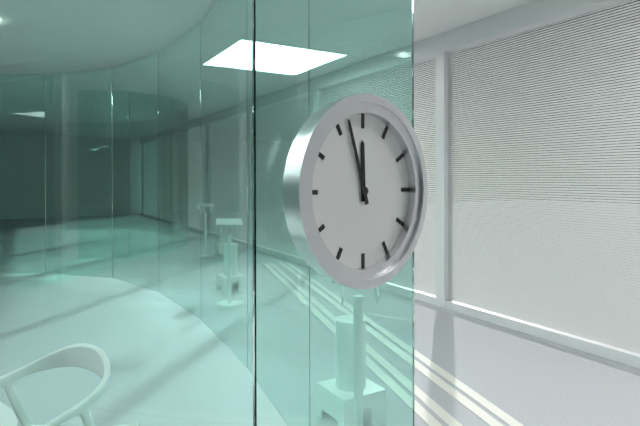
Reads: 11h57
